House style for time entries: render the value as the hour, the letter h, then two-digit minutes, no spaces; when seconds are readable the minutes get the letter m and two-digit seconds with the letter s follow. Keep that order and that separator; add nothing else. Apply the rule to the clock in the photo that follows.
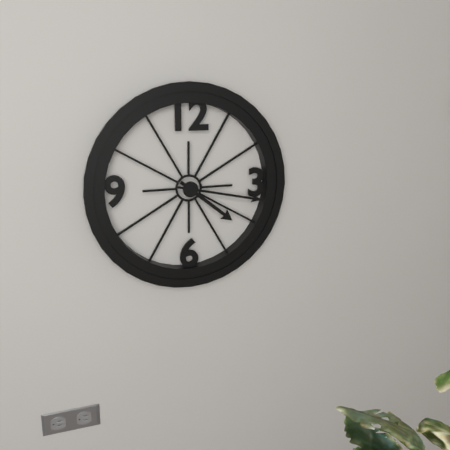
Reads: 4h17
